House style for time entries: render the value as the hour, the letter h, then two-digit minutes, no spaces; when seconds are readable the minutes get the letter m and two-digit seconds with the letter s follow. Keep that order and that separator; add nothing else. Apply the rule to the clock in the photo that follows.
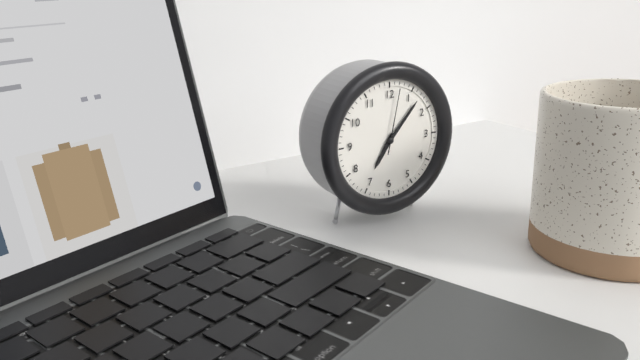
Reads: 7h07m02s
